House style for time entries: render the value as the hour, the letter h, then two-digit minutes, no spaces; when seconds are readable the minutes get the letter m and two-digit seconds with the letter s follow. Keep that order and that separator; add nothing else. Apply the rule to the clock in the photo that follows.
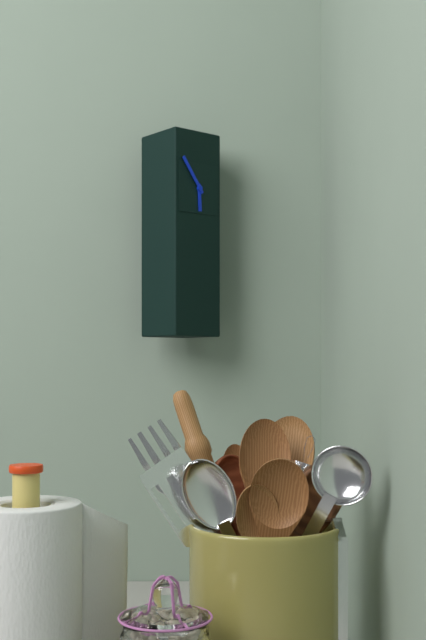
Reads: 5h54
